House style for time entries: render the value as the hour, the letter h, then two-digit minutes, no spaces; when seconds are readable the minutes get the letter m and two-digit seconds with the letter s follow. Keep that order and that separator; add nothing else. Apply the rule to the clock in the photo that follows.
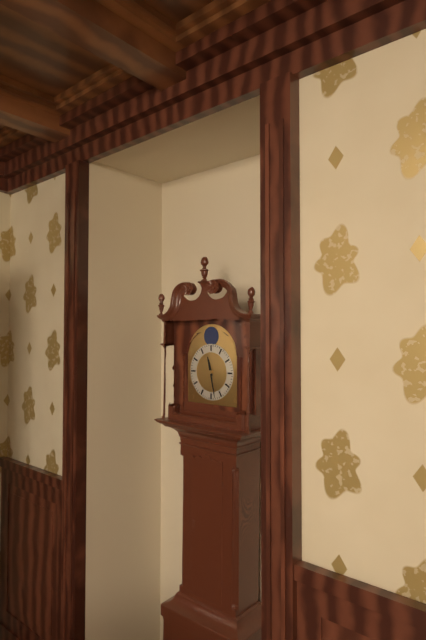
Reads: 11h28
